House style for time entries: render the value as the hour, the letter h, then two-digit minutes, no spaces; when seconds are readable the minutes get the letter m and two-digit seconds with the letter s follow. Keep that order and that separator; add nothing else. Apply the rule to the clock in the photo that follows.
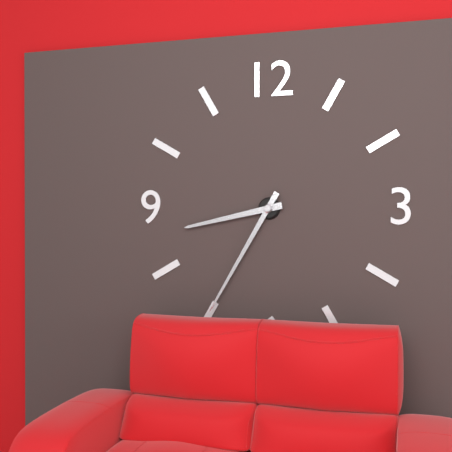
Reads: 8h35
